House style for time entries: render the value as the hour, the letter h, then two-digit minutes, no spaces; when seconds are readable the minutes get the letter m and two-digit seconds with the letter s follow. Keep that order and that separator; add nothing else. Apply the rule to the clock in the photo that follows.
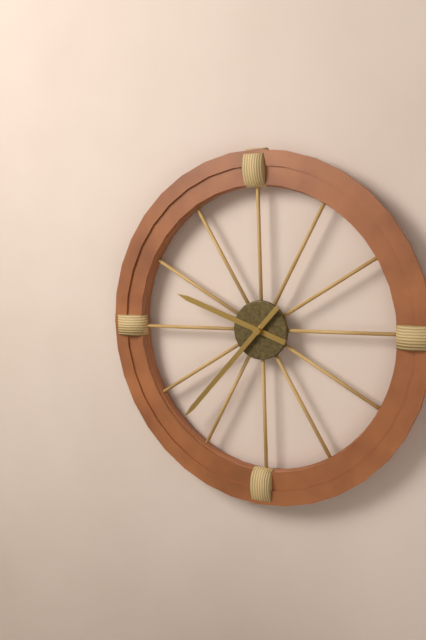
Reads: 9h37
